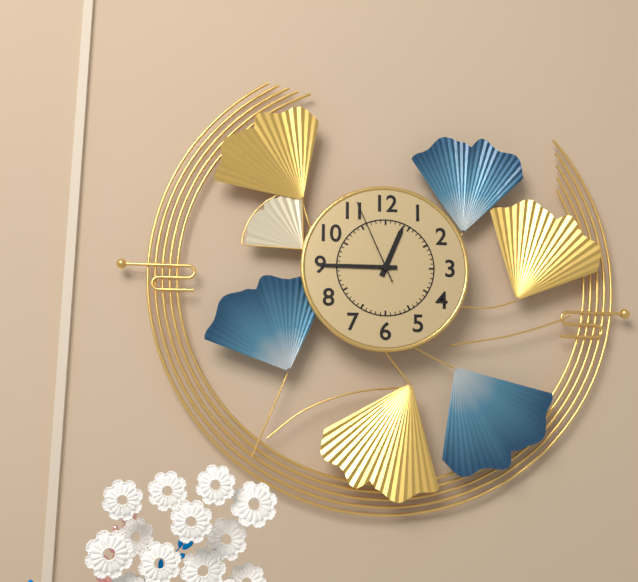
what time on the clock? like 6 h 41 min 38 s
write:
12 h 45 min 56 s
